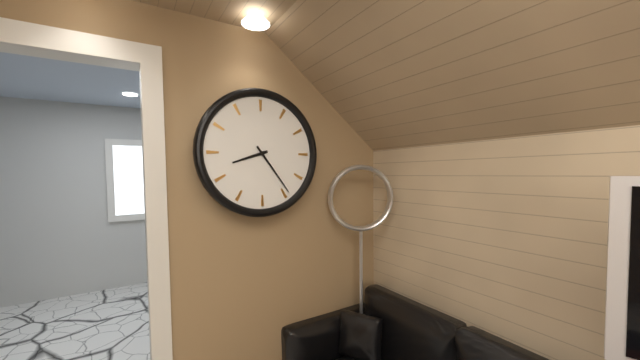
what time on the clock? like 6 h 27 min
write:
8 h 24 min
